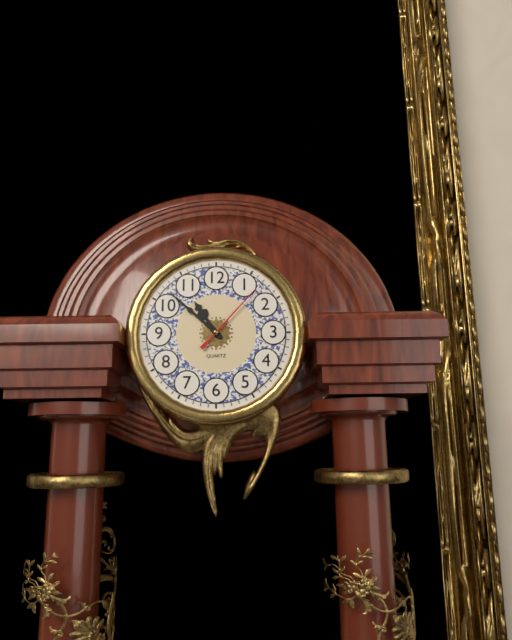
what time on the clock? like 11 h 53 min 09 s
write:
10 h 52 min 07 s
